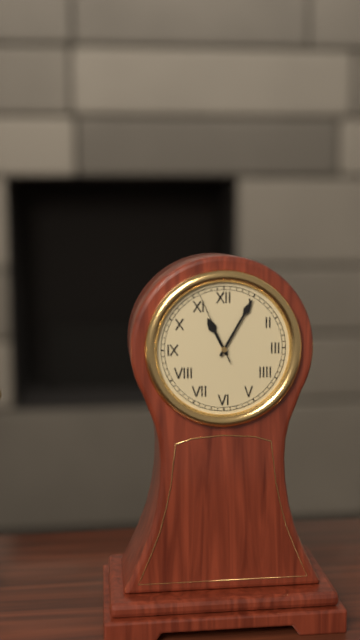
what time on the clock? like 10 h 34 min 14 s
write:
11 h 05 min 56 s
